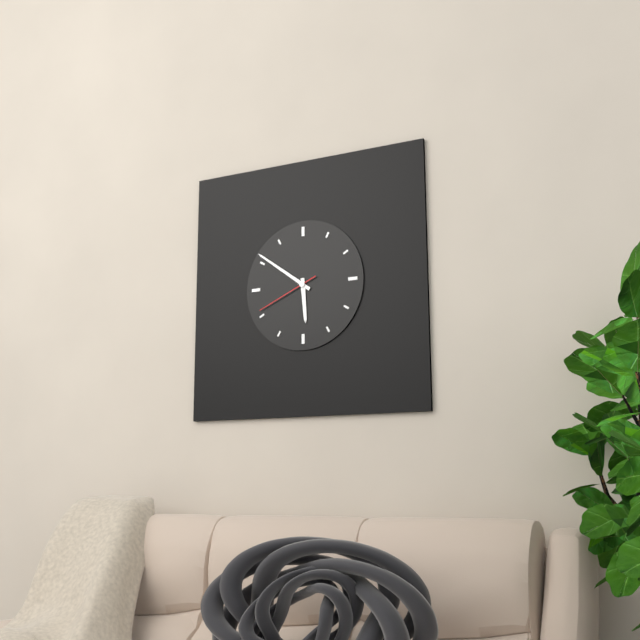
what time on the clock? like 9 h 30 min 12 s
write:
5 h 51 min 41 s
